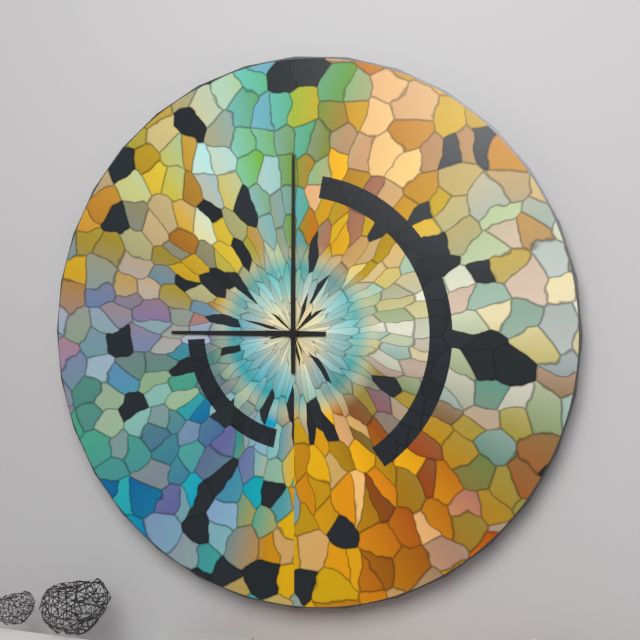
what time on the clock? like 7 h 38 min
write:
9 h 00 min
